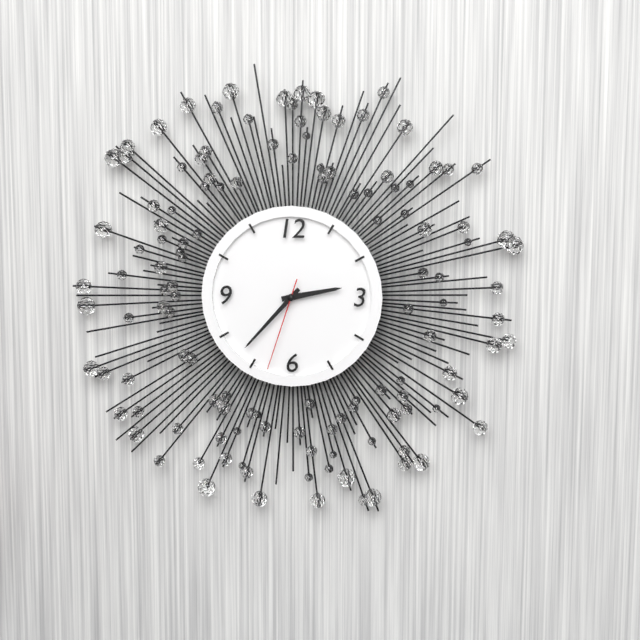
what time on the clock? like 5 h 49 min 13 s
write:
2 h 37 min 33 s
